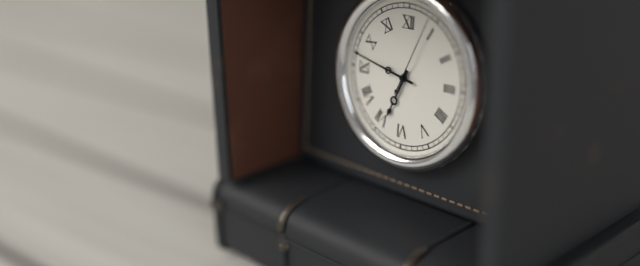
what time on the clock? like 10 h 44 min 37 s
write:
6 h 47 min 04 s
